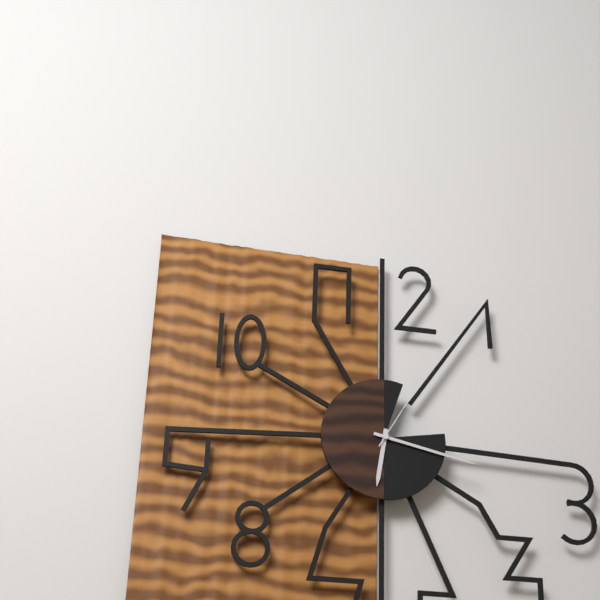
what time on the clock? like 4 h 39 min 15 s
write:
6 h 17 min 05 s
